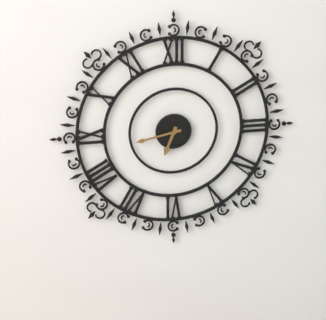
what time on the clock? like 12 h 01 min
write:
6 h 43 min
